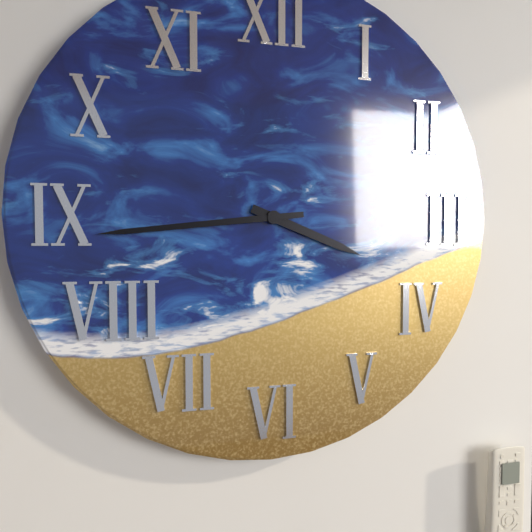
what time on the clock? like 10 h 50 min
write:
3 h 44 min
